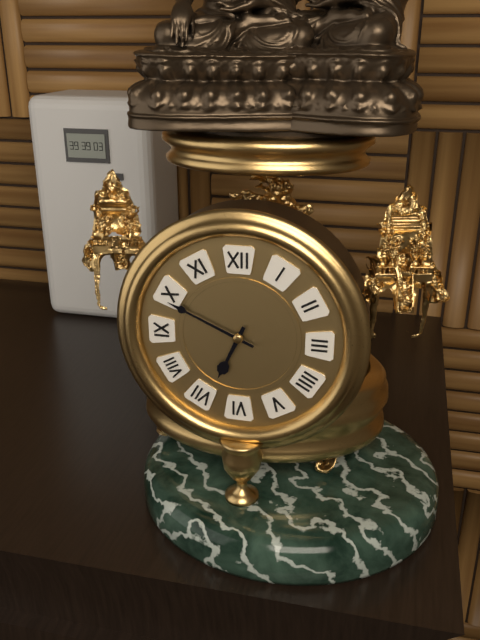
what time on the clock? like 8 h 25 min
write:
6 h 49 min
